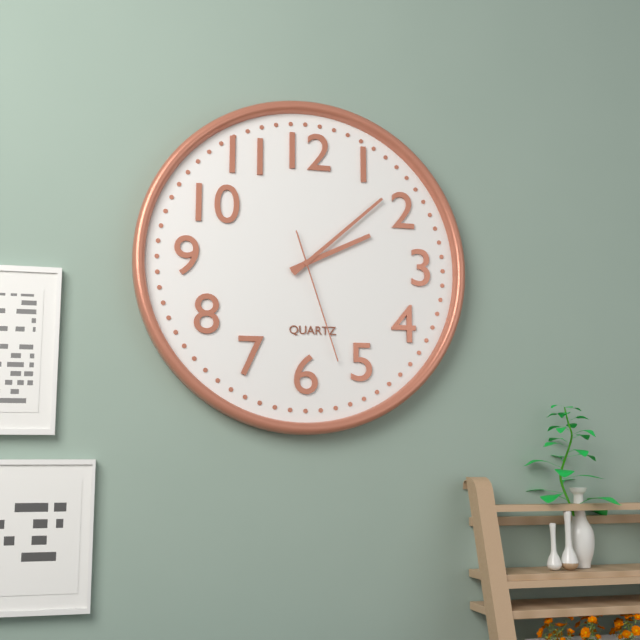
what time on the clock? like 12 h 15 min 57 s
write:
2 h 08 min 27 s
